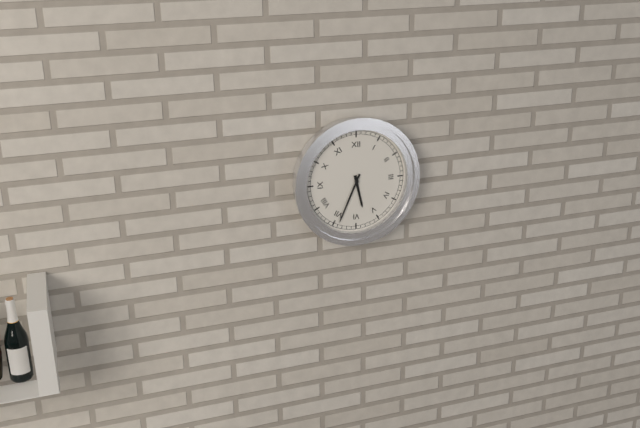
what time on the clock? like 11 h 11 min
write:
5 h 34 min
